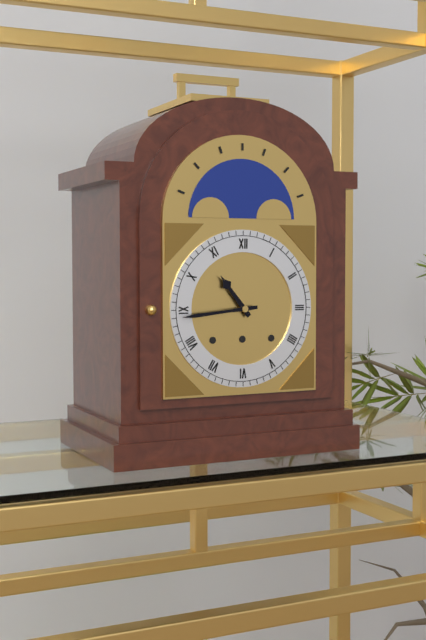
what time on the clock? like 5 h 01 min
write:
10 h 44 min
